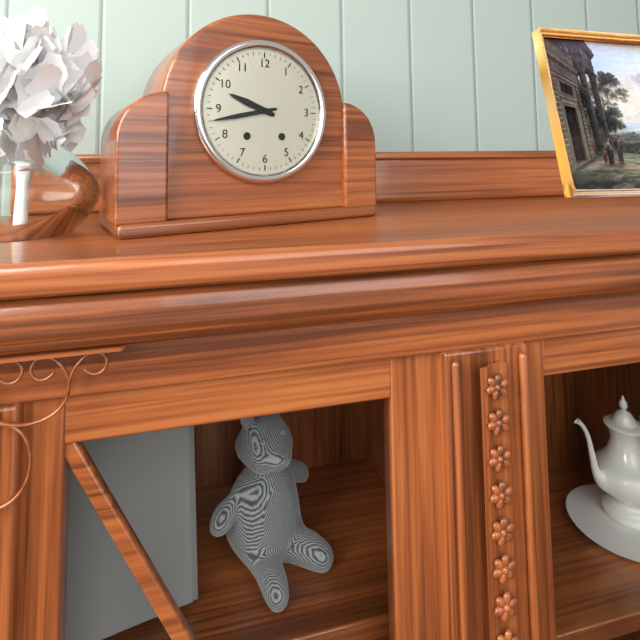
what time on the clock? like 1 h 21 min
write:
9 h 43 min
